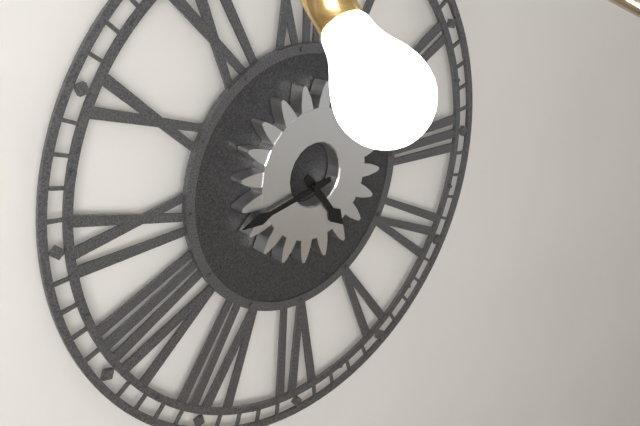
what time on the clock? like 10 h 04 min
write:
4 h 43 min
